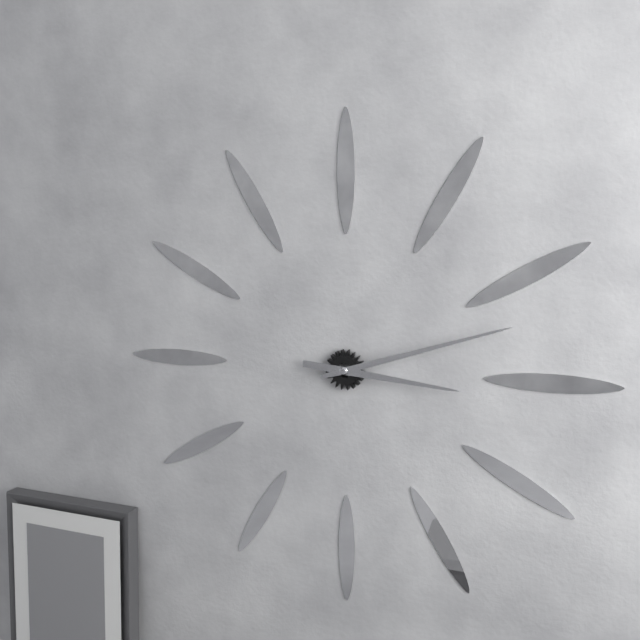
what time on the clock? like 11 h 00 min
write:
3 h 12 min
